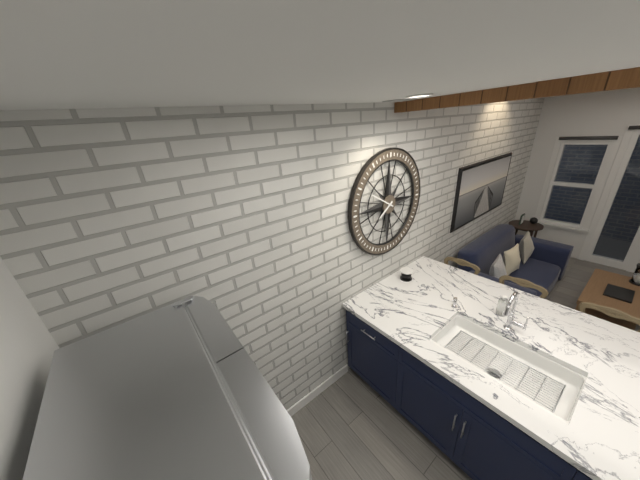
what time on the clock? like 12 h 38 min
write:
7 h 50 min
